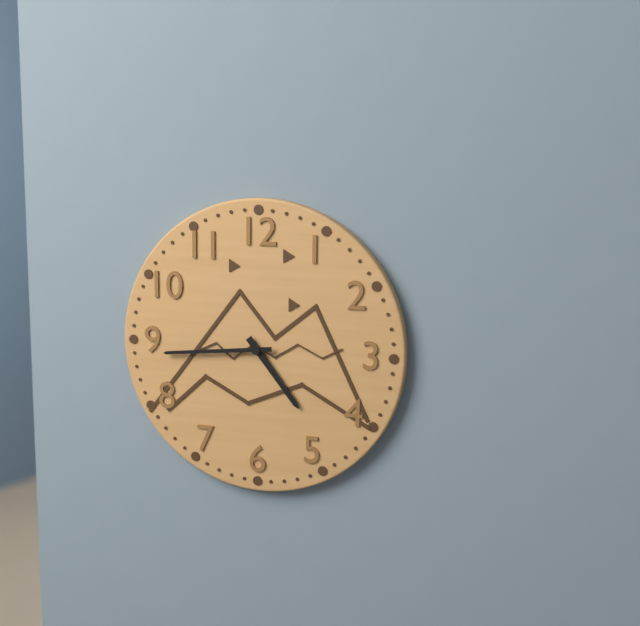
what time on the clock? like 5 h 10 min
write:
4 h 44 min
